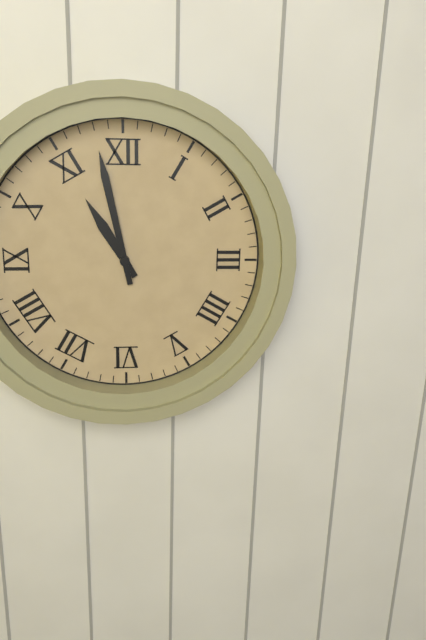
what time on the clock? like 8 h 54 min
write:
10 h 58 min
